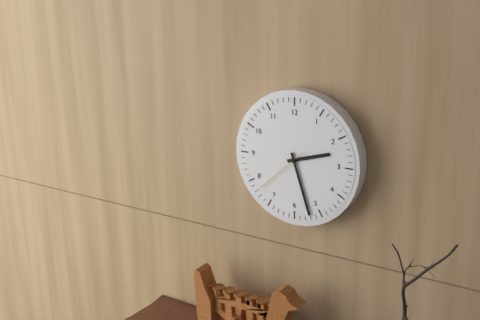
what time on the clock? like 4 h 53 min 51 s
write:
2 h 27 min 38 s
